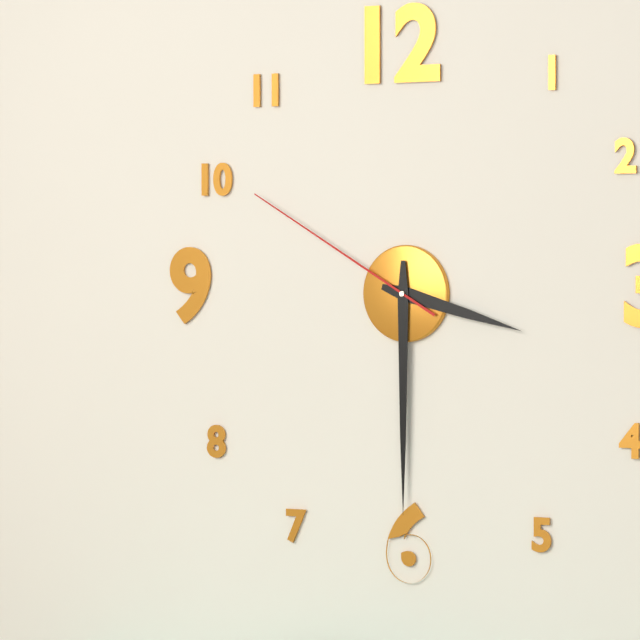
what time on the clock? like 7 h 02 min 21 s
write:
3 h 30 min 50 s
